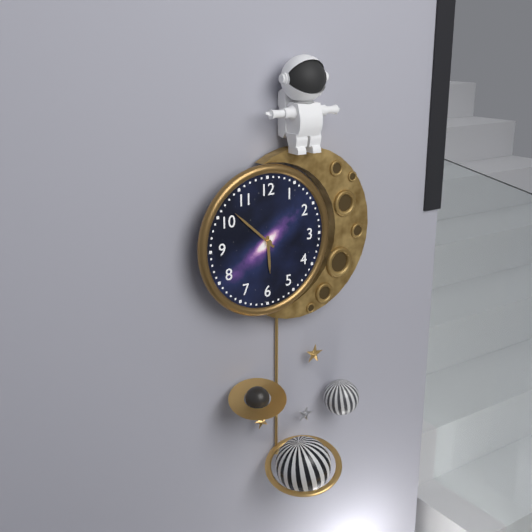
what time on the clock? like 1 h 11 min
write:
5 h 52 min
